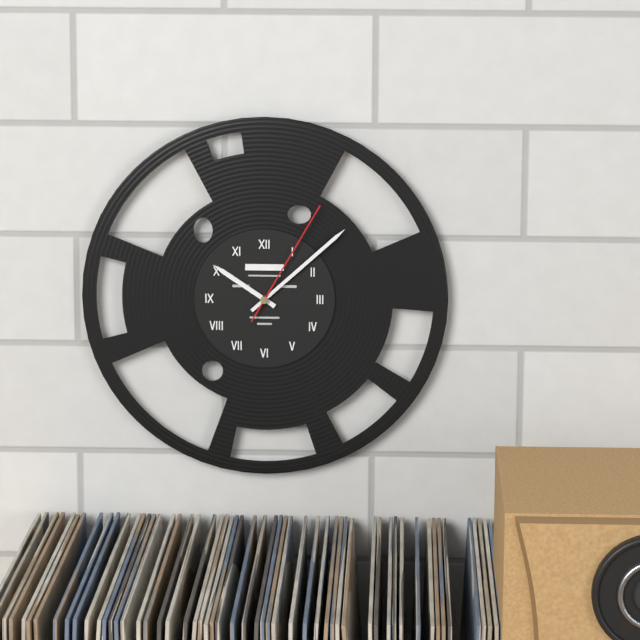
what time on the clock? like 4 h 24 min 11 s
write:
10 h 08 min 05 s
